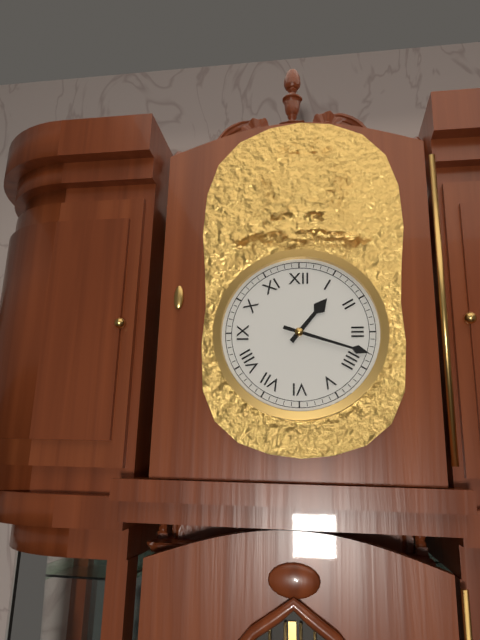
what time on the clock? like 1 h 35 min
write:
1 h 18 min
